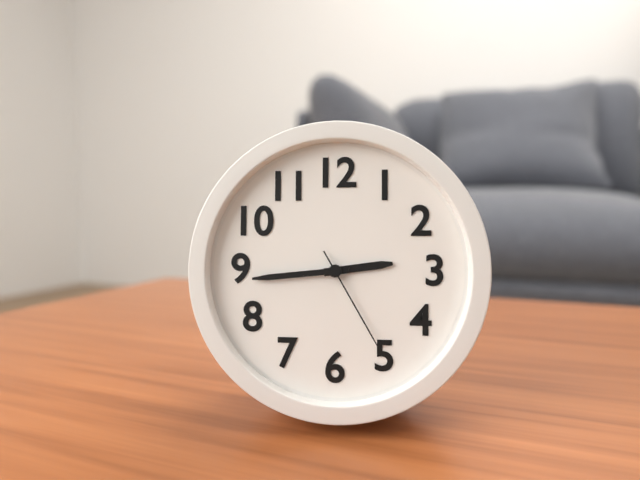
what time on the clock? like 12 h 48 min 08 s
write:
2 h 44 min 25 s
